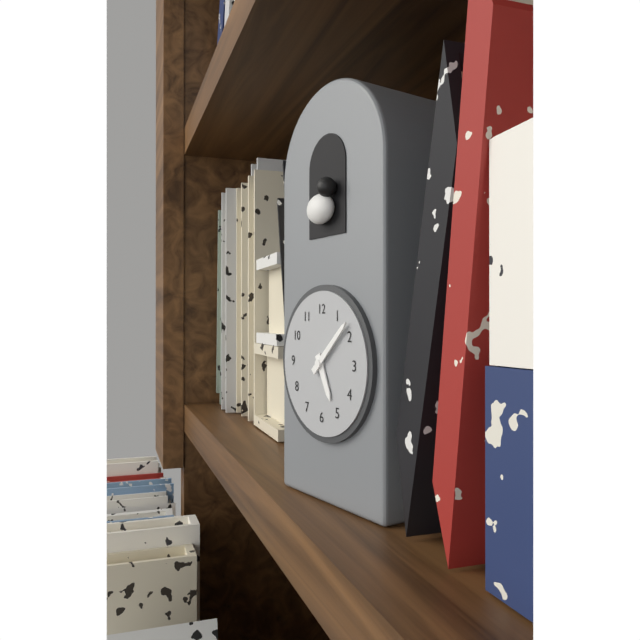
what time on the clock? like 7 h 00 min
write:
5 h 08 min
